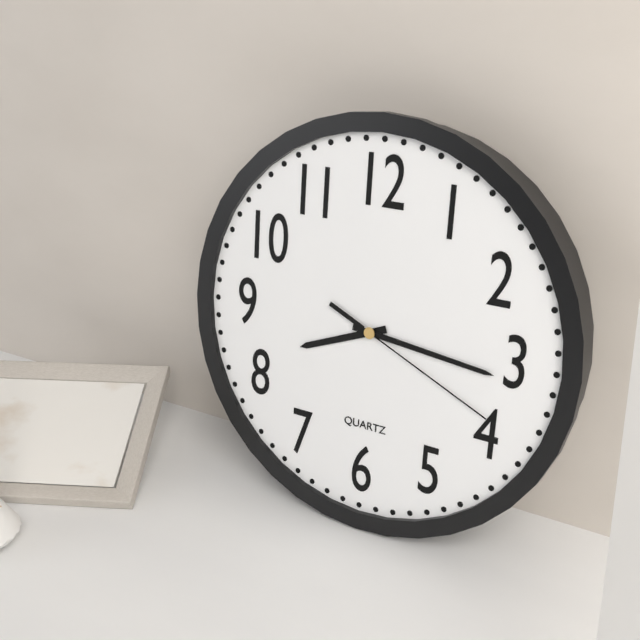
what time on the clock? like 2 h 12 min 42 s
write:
8 h 16 min 19 s
